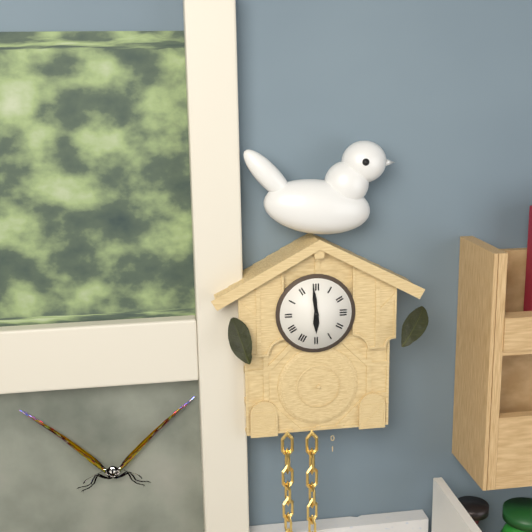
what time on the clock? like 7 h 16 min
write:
5 h 59 min
